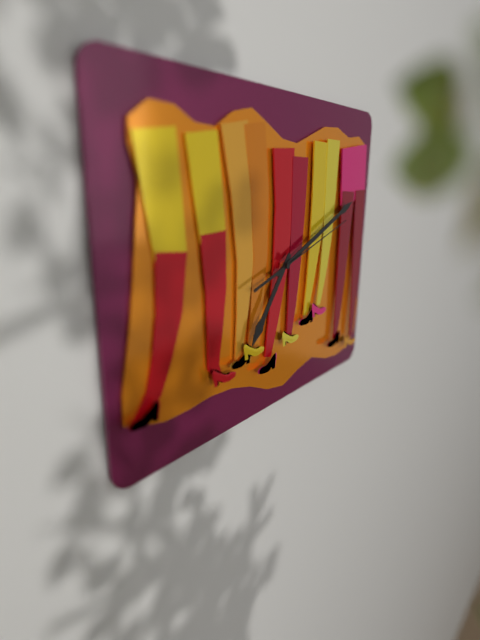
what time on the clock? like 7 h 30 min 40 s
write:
7 h 11 min 12 s
